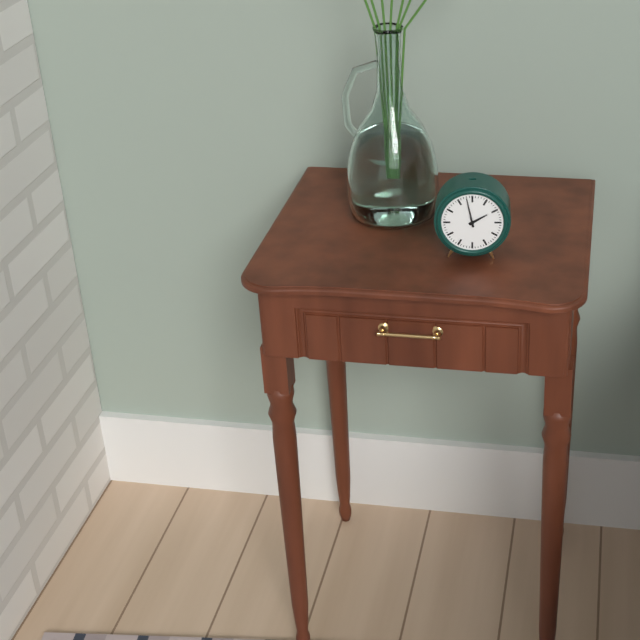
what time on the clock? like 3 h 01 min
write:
1 h 58 min
